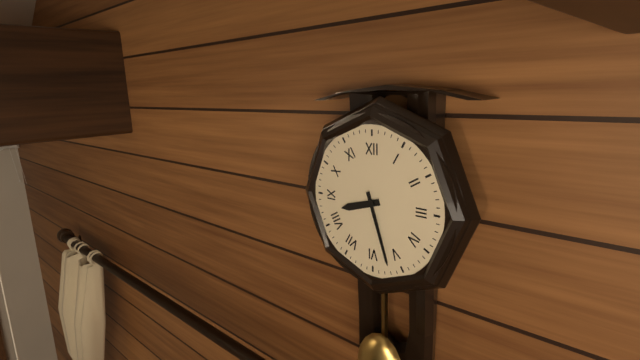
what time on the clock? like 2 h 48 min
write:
8 h 27 min
